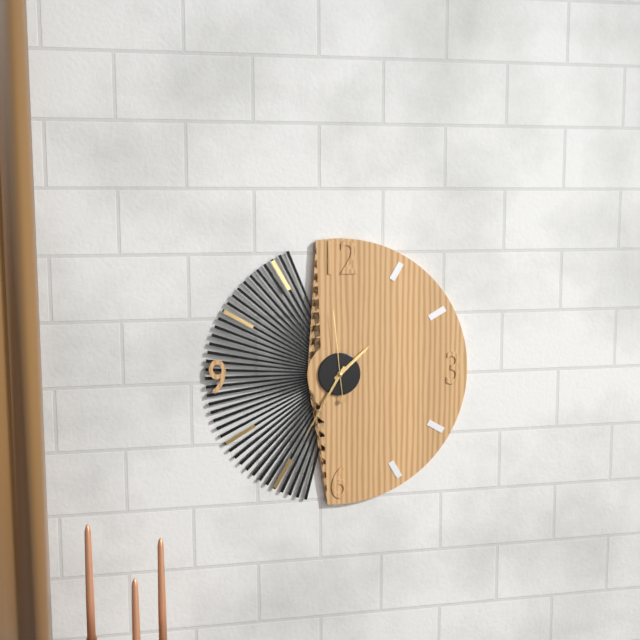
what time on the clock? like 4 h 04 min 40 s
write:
1 h 35 min 59 s
